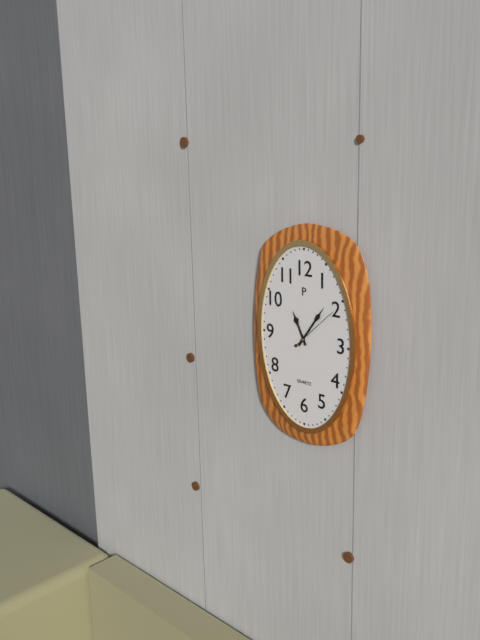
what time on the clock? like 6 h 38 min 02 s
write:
11 h 06 min 08 s
